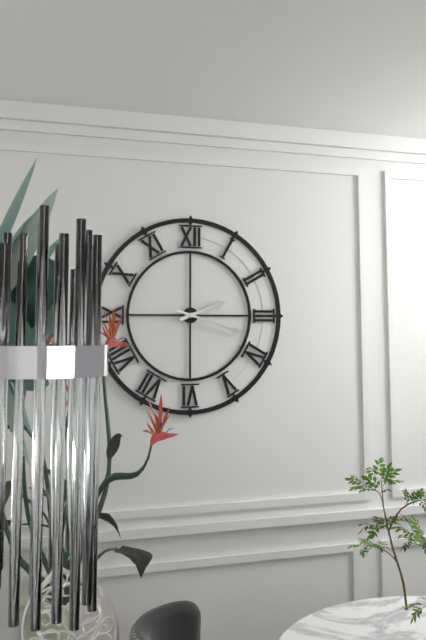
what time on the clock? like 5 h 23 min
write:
2 h 18 min
